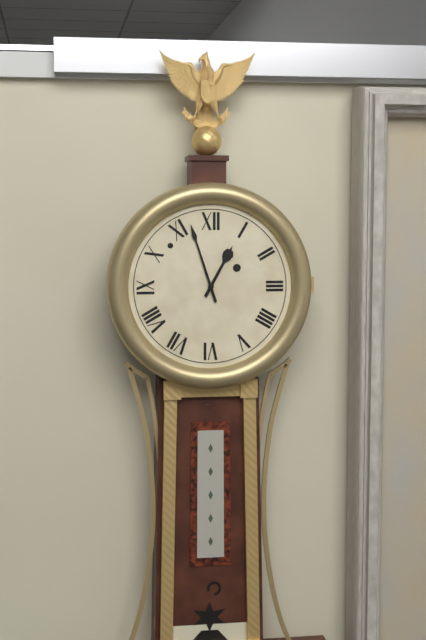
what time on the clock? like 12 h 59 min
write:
12 h 57 min
